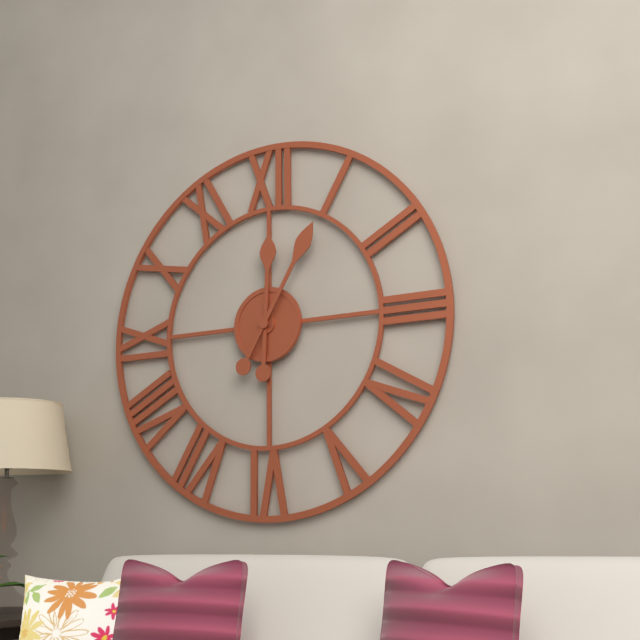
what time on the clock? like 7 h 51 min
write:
12 h 05 min
